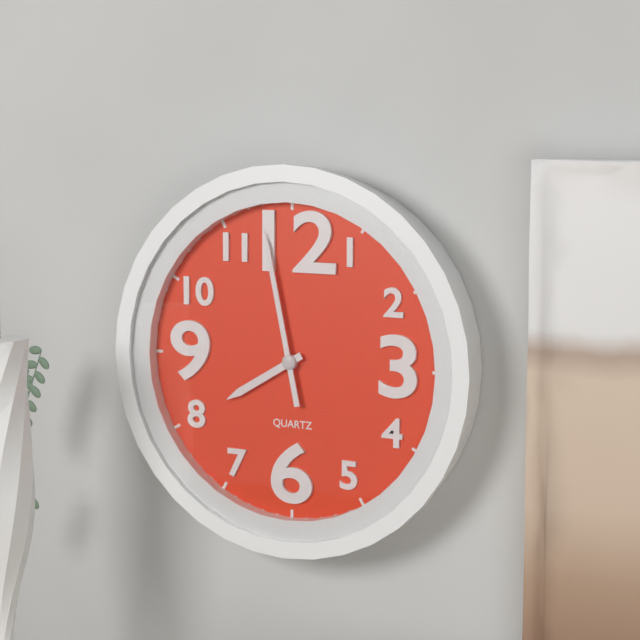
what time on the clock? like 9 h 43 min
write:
7 h 58 min
